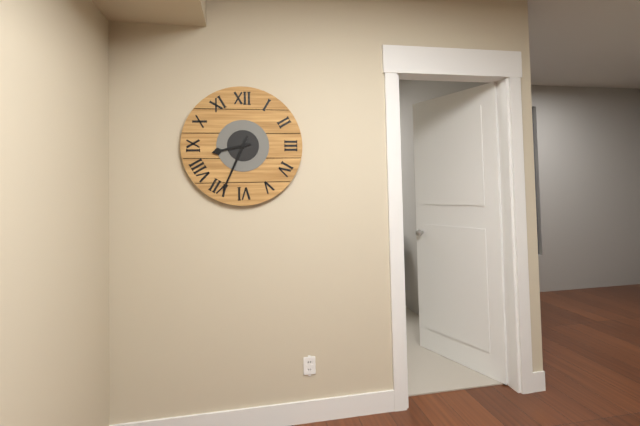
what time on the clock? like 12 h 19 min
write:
8 h 34 min
